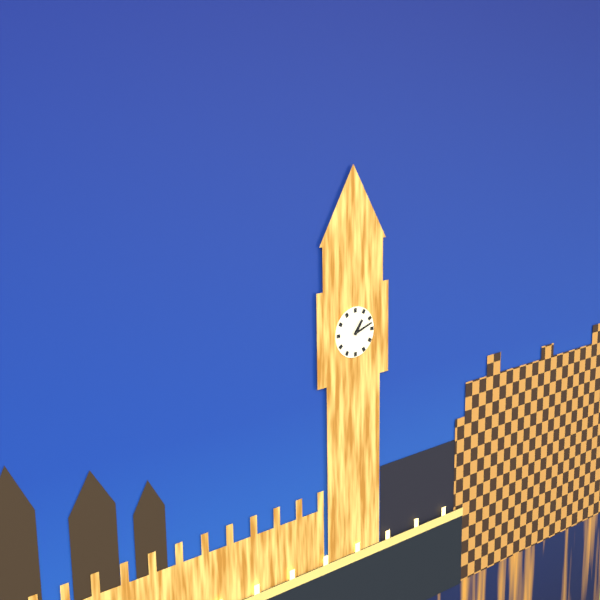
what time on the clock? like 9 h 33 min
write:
1 h 12 min
